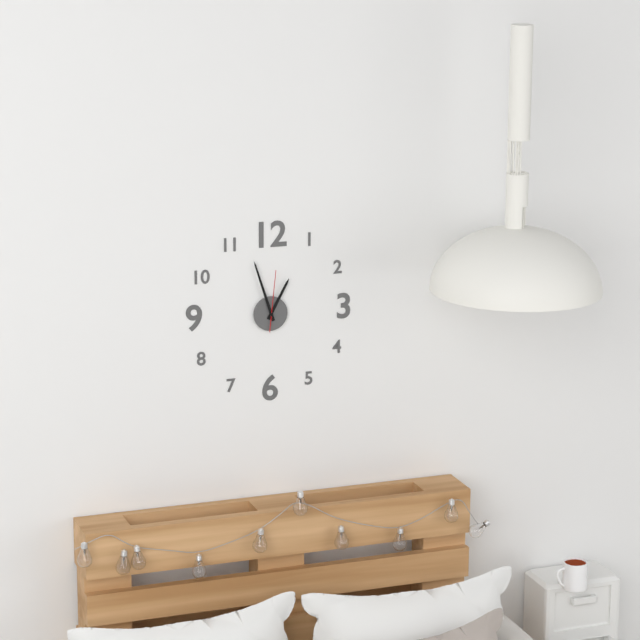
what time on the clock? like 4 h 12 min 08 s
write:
12 h 57 min 01 s
